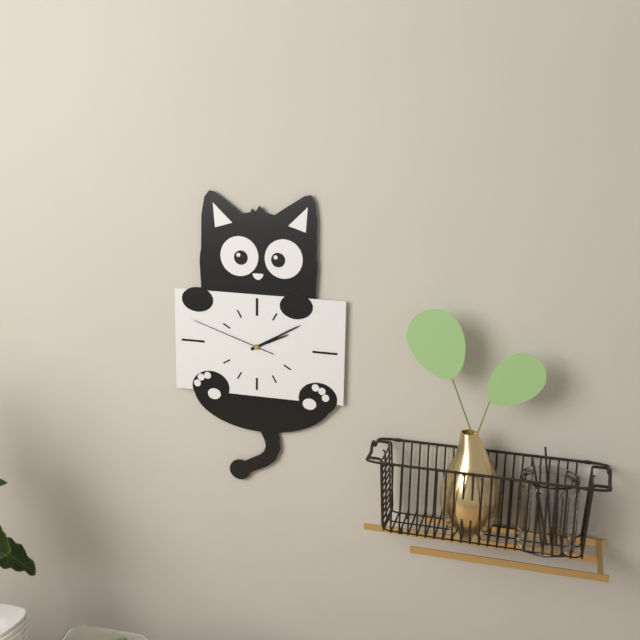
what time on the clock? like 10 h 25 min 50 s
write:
2 h 10 min 48 s
